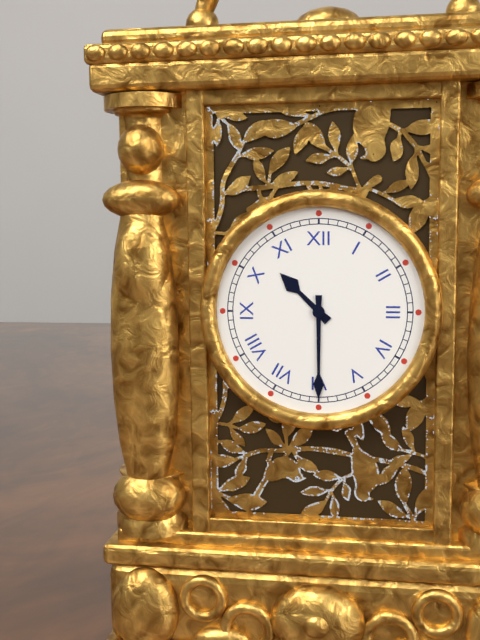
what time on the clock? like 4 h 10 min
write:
10 h 30 min
